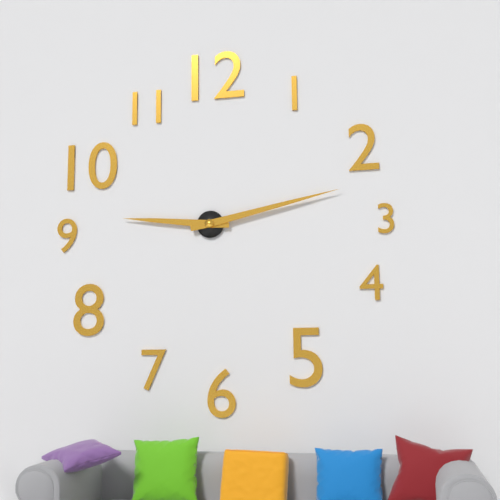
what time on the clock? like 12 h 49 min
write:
9 h 13 min
